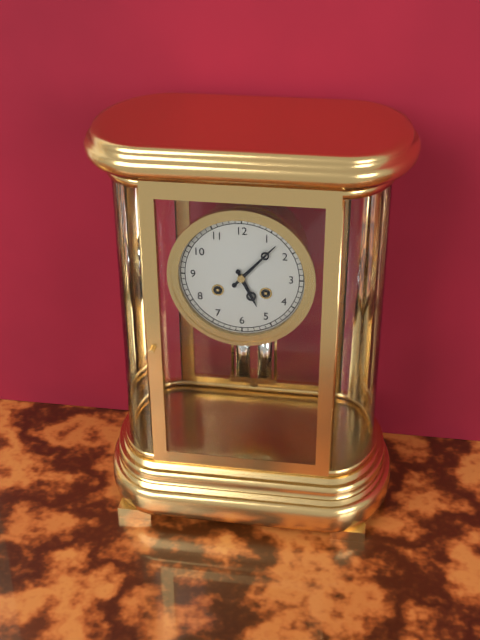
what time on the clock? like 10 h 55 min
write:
5 h 07 min
